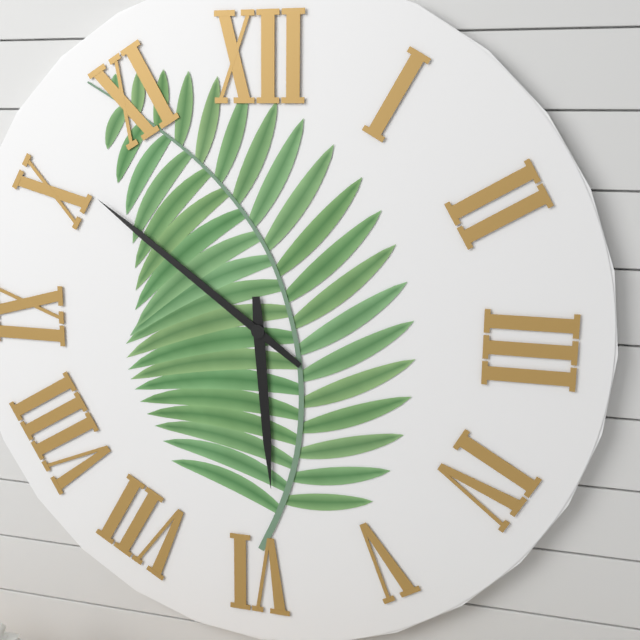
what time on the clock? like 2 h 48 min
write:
5 h 51 min
